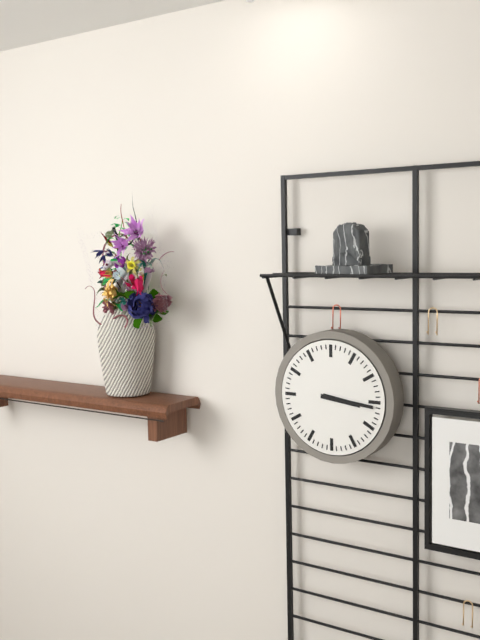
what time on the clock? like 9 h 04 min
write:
3 h 16 min
